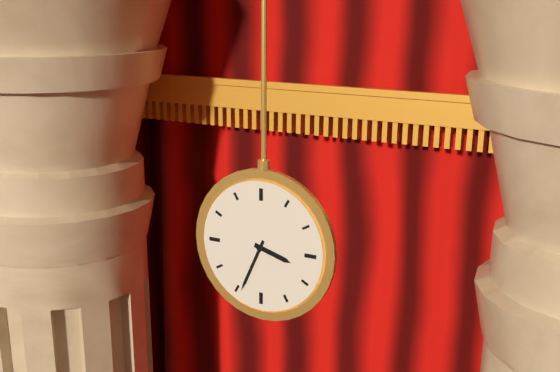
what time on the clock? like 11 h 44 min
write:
3 h 34 min
